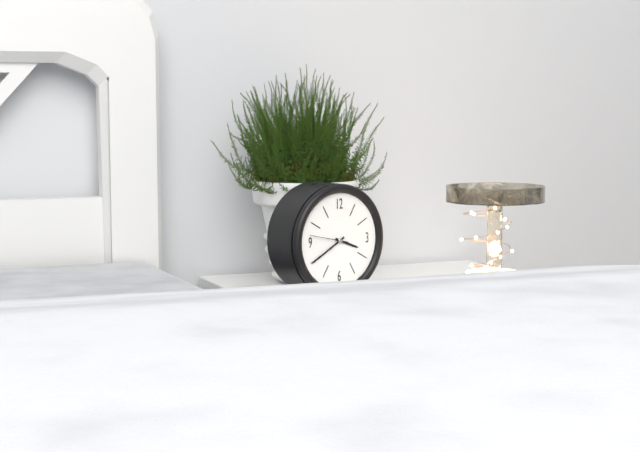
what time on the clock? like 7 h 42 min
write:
3 h 40 min
